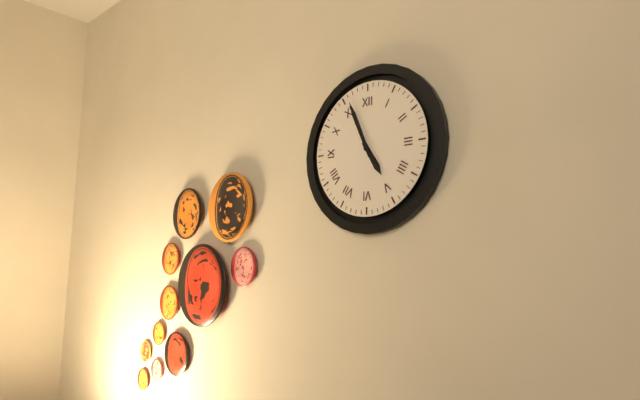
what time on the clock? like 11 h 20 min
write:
4 h 56 min
